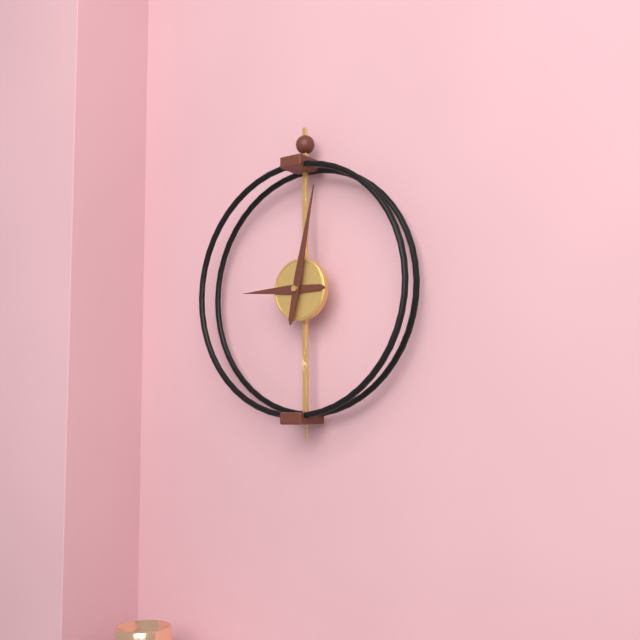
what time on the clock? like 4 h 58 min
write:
9 h 02 min
